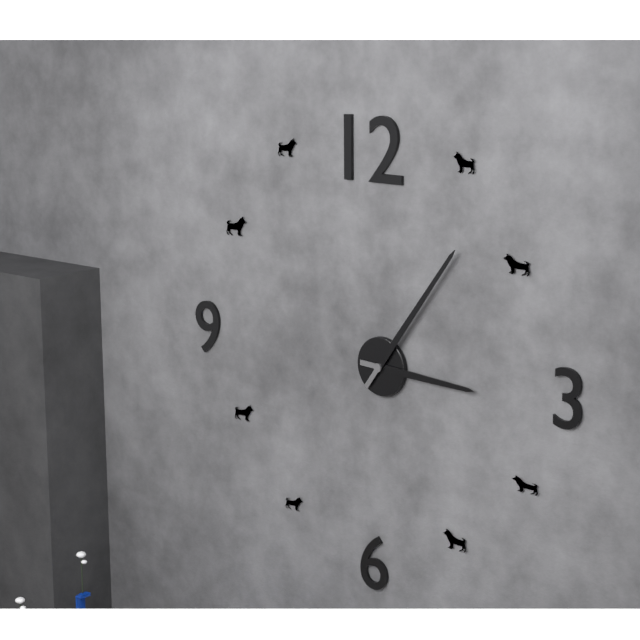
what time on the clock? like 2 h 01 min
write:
3 h 06 min
